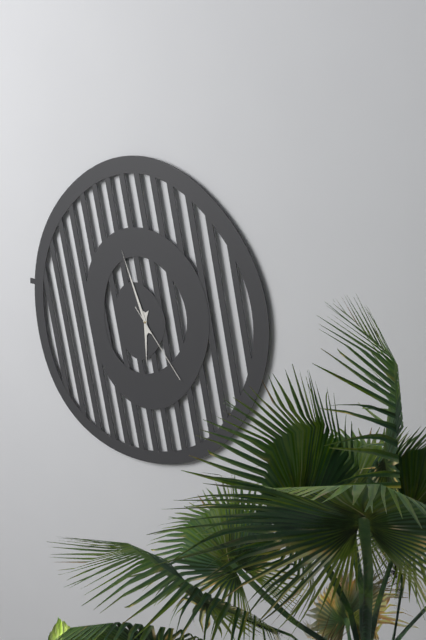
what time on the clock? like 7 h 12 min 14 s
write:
5 h 56 min 23 s
